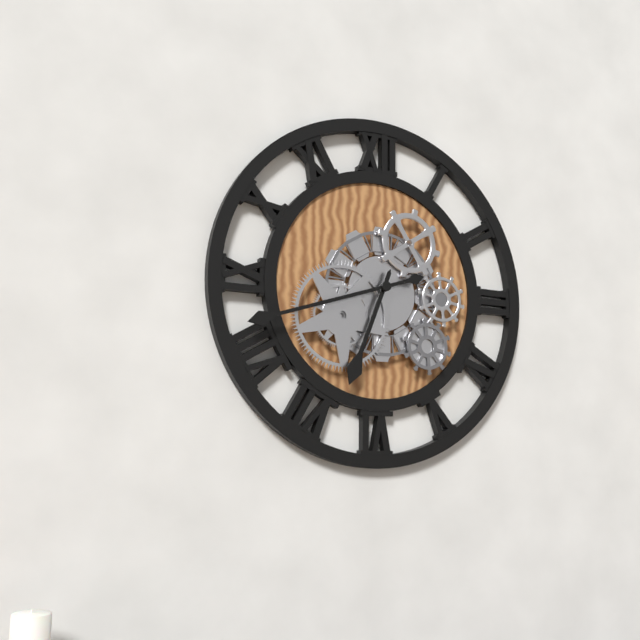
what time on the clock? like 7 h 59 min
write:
6 h 42 min
